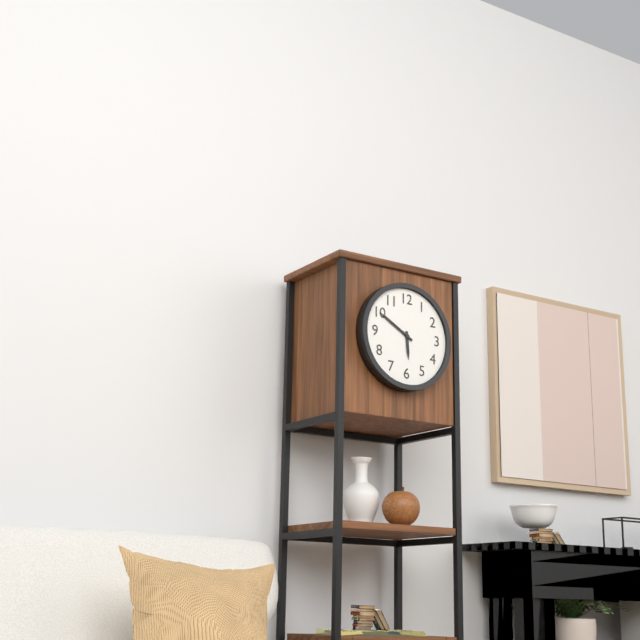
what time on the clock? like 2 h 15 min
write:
5 h 50 min
